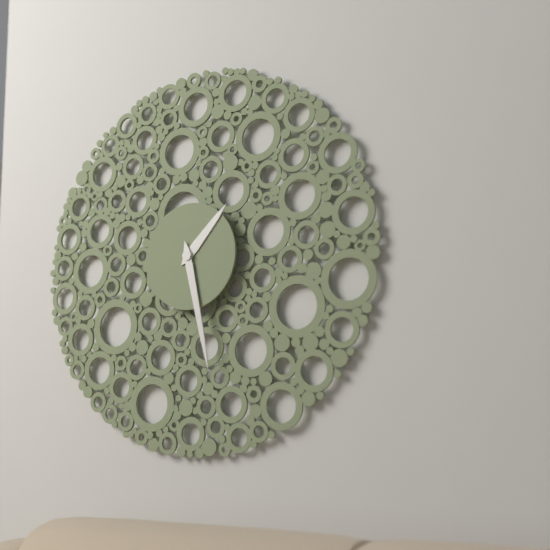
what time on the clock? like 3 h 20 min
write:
1 h 28 min
